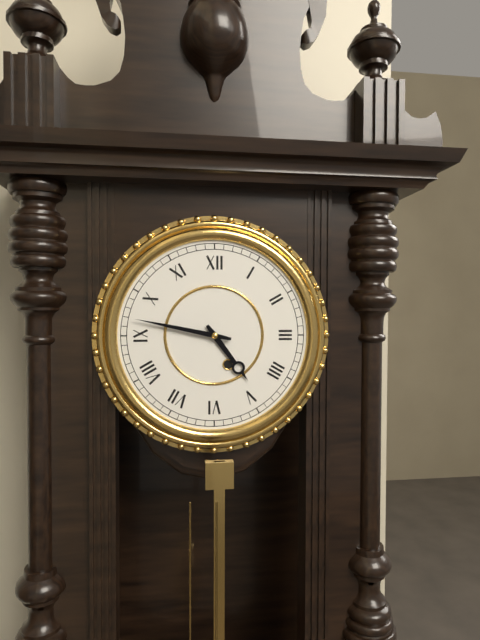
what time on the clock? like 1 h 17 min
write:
4 h 47 min
